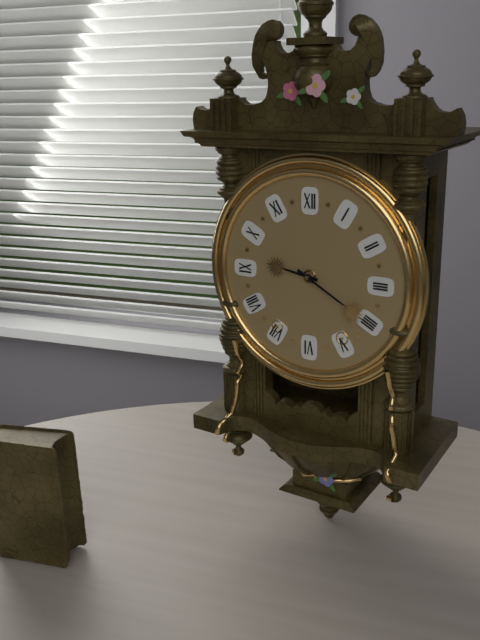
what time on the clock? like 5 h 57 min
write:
9 h 20 min
